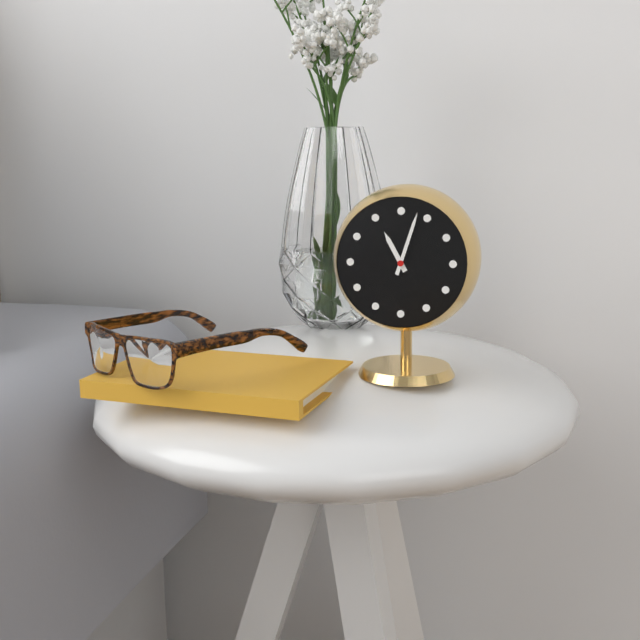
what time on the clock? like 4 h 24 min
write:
11 h 03 min
